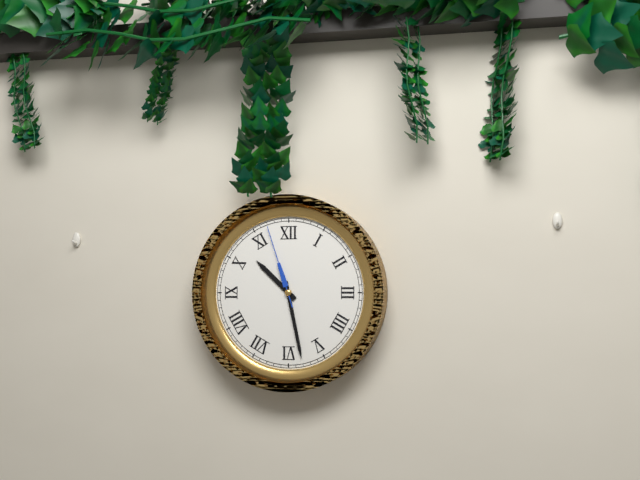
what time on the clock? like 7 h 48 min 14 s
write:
10 h 28 min 57 s
